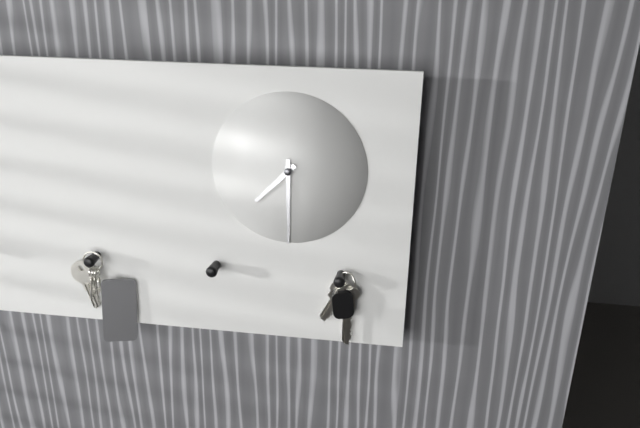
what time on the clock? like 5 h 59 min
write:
7 h 30 min
